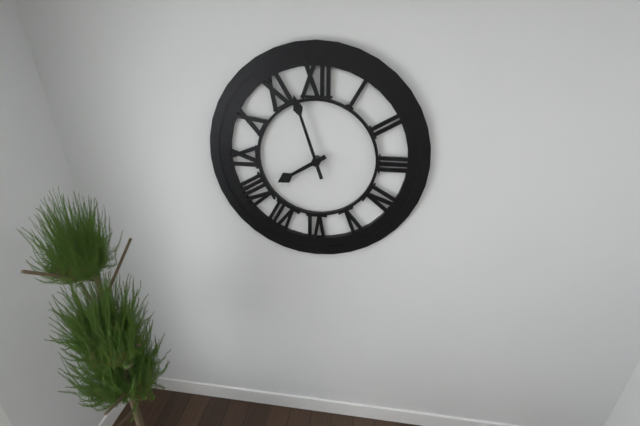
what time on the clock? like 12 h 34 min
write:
7 h 57 min
